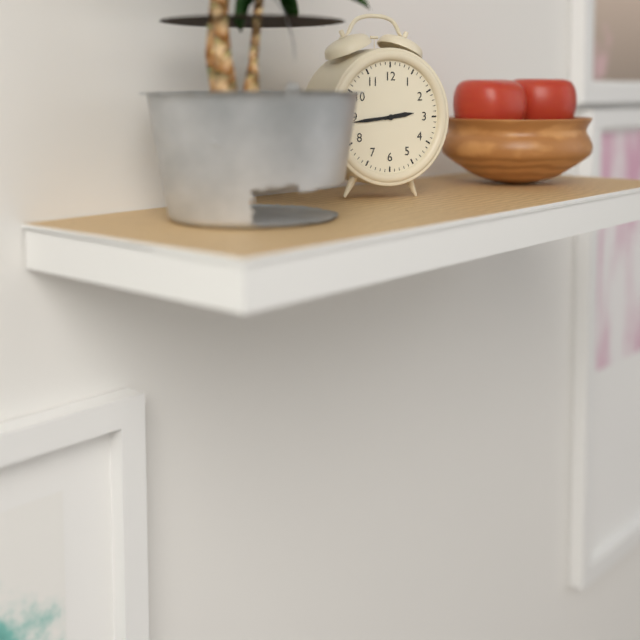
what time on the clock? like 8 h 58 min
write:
2 h 44 min
